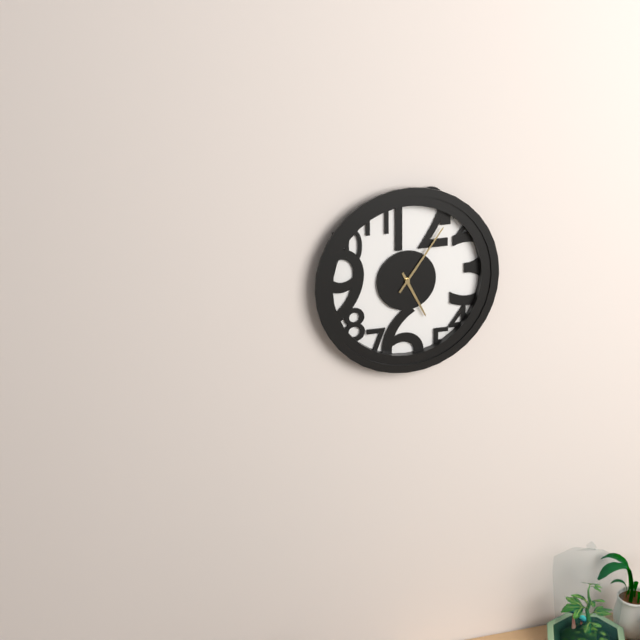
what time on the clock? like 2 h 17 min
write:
5 h 06 min
